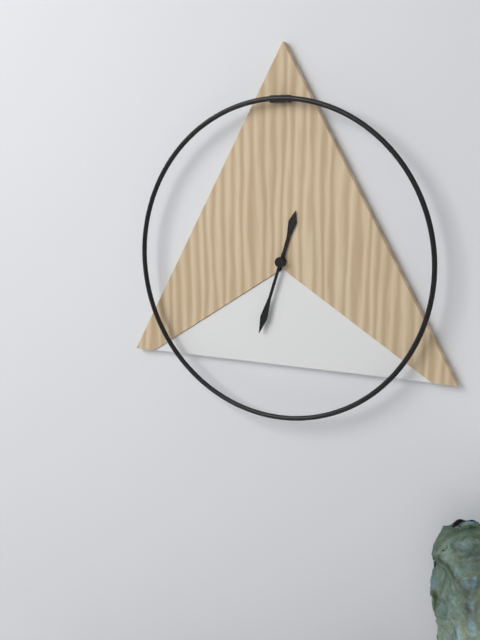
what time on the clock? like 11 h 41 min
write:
12 h 33 min
